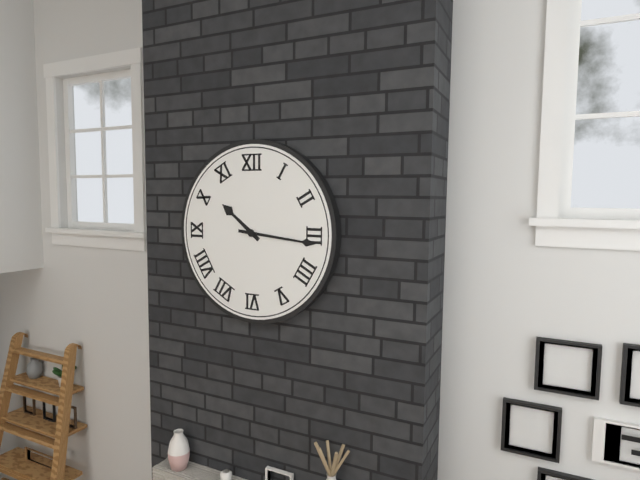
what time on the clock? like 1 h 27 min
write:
10 h 16 min
